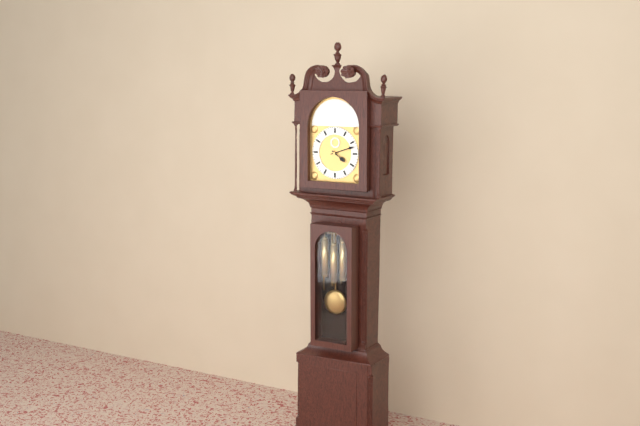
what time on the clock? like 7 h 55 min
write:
4 h 12 min
